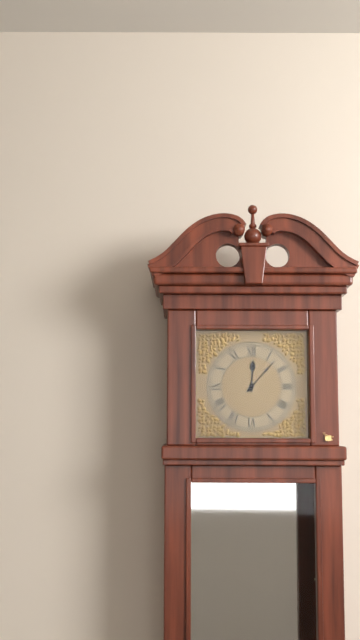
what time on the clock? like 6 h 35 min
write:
12 h 07 min
